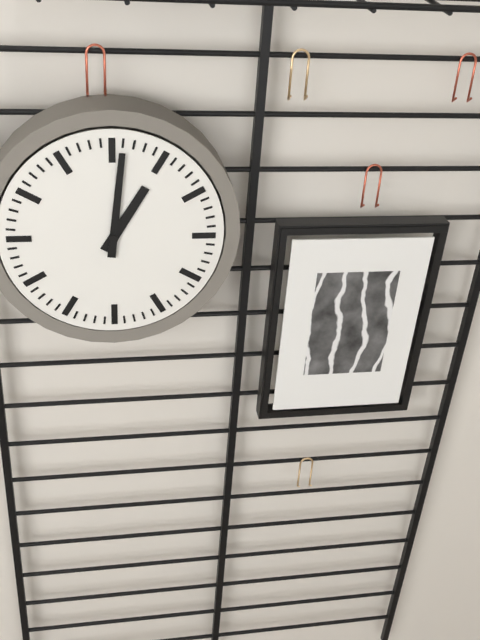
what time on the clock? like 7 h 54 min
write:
1 h 01 min
